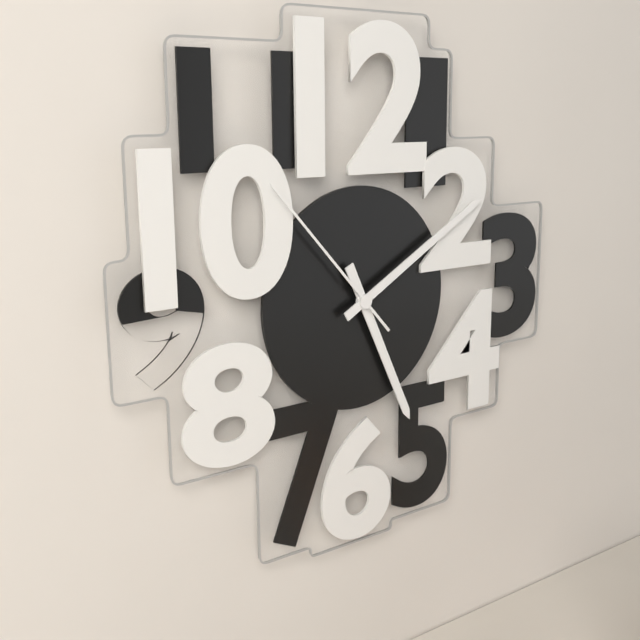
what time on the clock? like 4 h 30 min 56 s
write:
5 h 10 min 53 s
